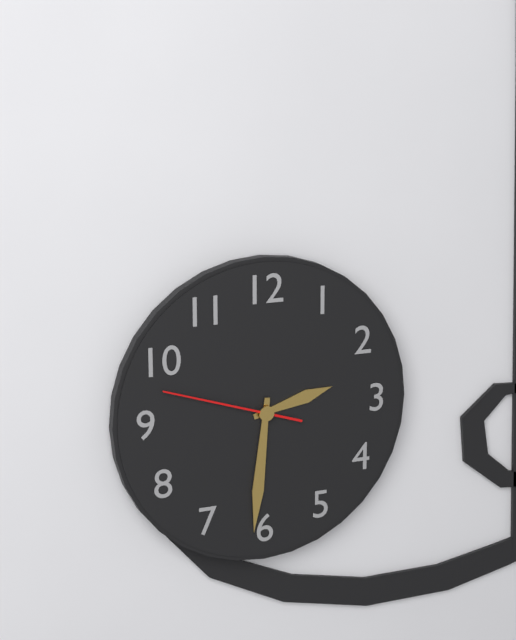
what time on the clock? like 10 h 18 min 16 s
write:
2 h 31 min 48 s
